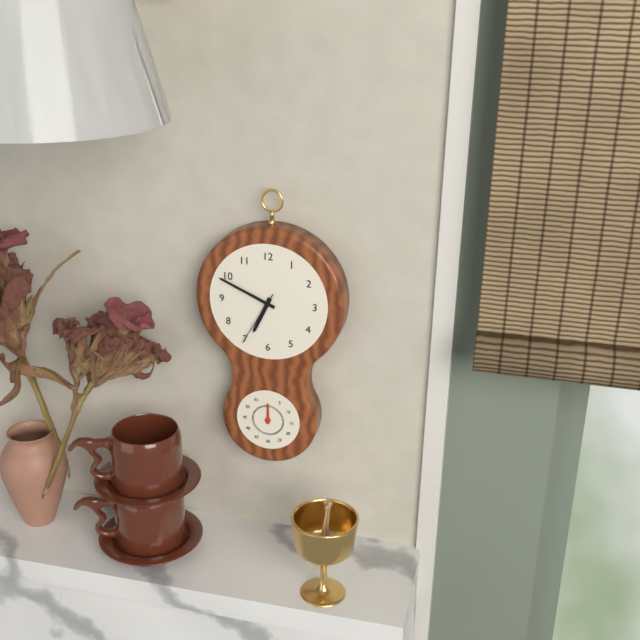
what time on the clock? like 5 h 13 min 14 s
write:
6 h 49 min 35 s
